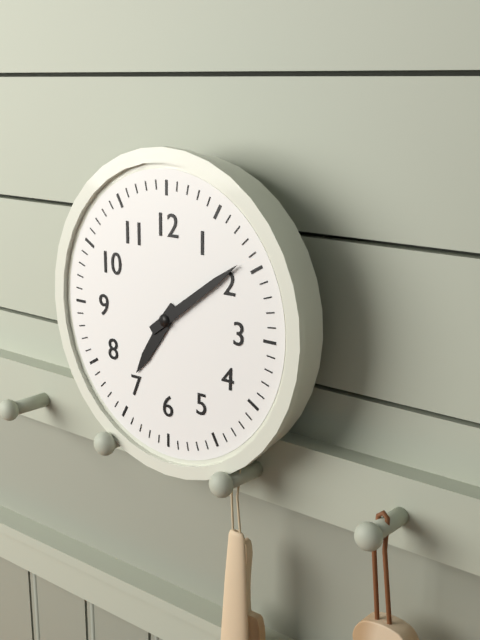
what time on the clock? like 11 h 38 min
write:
7 h 09 min
